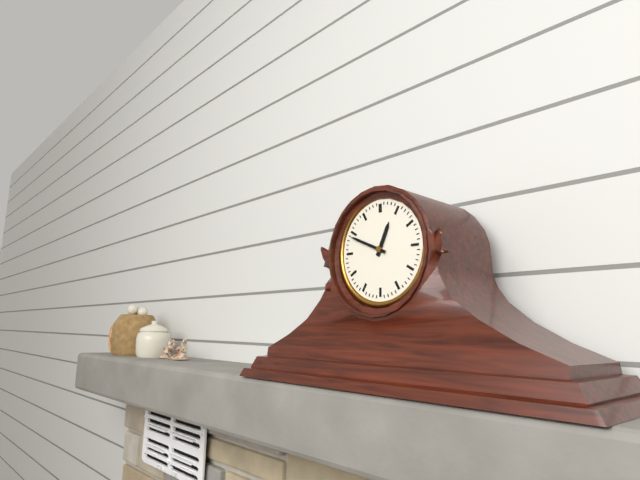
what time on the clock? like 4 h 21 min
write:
12 h 49 min
